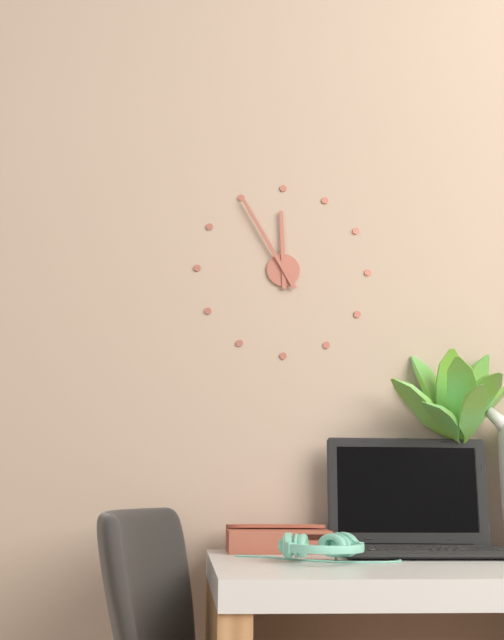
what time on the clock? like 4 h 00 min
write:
11 h 55 min
